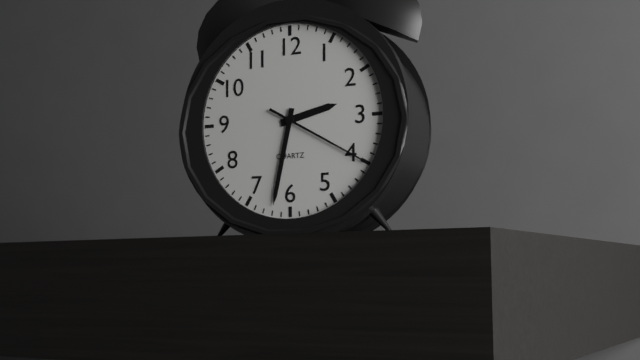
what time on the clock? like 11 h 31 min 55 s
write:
2 h 32 min 20 s
